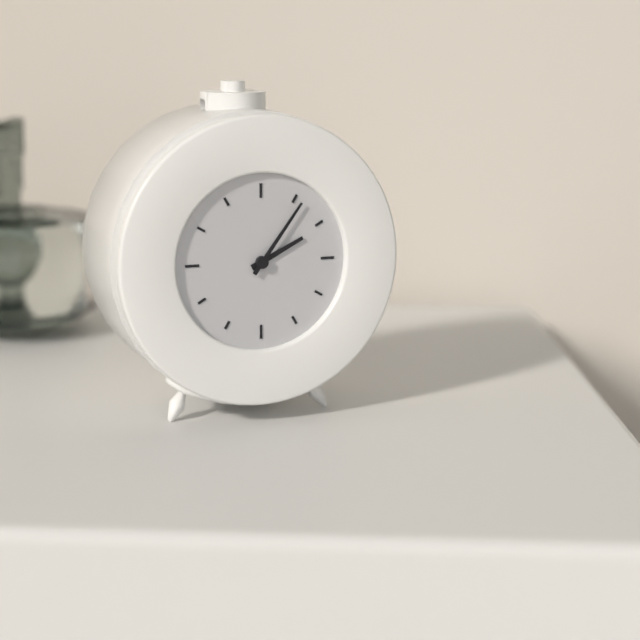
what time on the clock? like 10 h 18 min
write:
2 h 06 min
